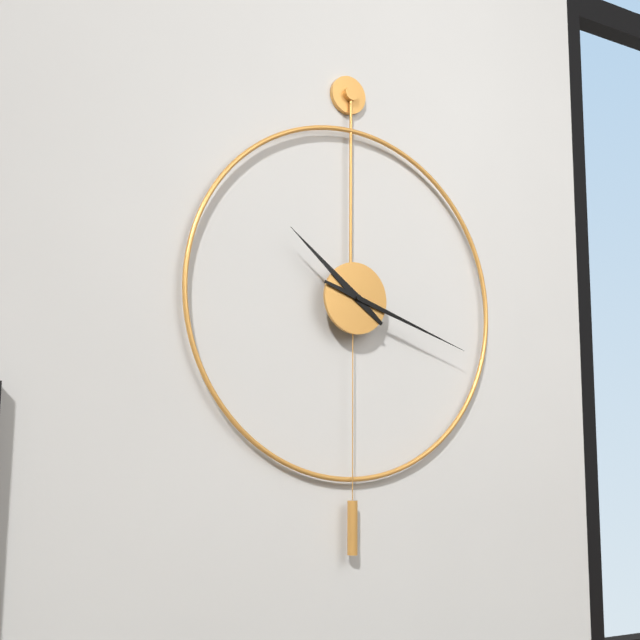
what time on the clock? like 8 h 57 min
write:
10 h 18 min
